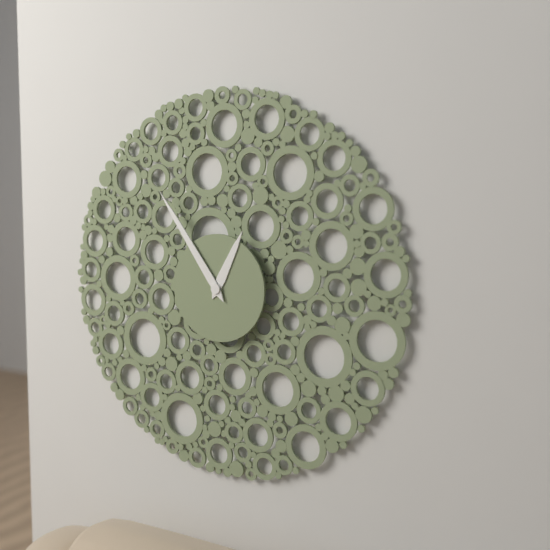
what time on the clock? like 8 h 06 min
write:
12 h 54 min
